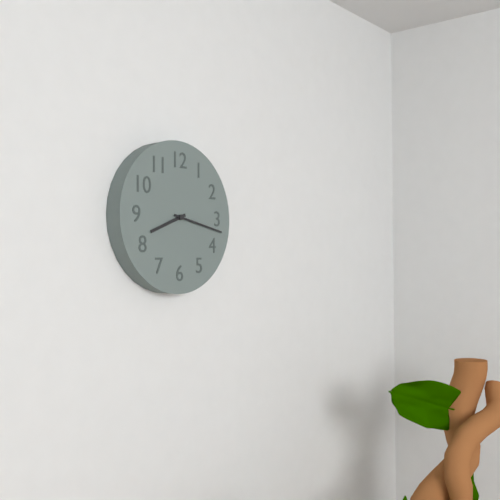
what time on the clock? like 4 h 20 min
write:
8 h 17 min
